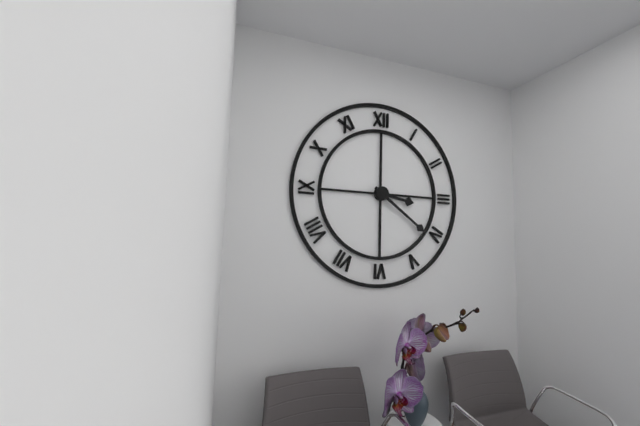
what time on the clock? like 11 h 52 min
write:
3 h 21 min
